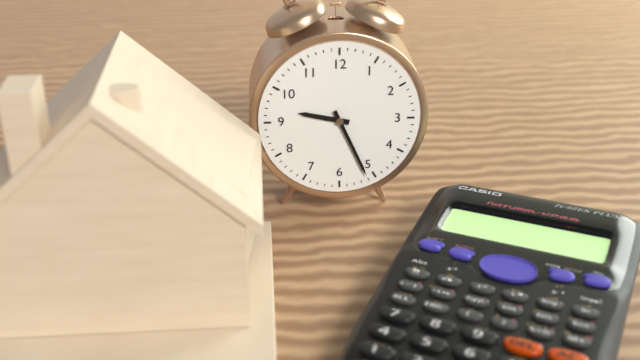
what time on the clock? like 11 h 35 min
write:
9 h 26 min
